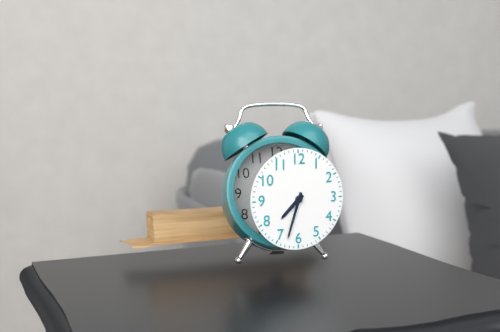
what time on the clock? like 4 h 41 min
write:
7 h 33 min
